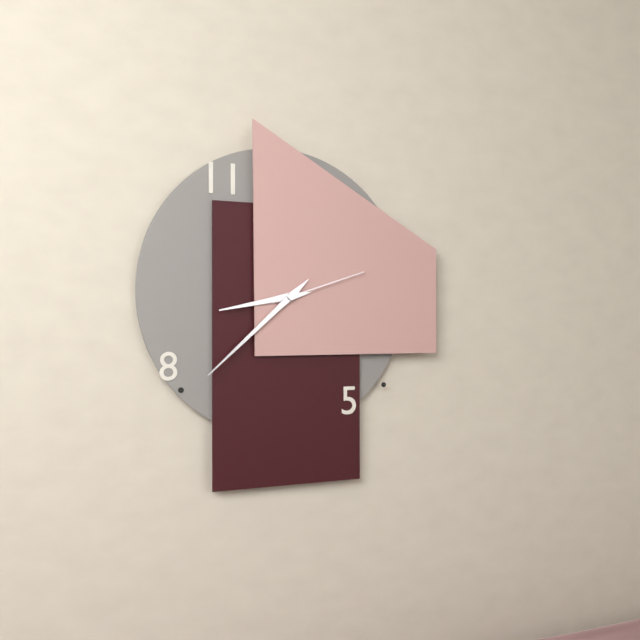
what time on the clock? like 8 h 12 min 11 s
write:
8 h 38 min 12 s
